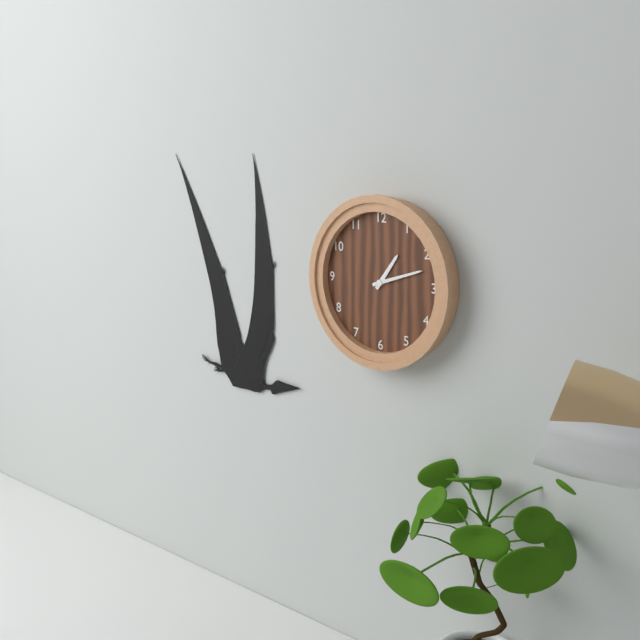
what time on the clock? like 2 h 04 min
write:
1 h 12 min
